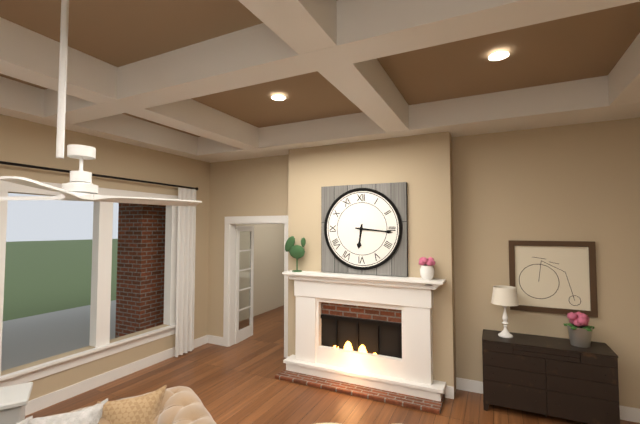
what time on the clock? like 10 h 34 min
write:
6 h 16 min
